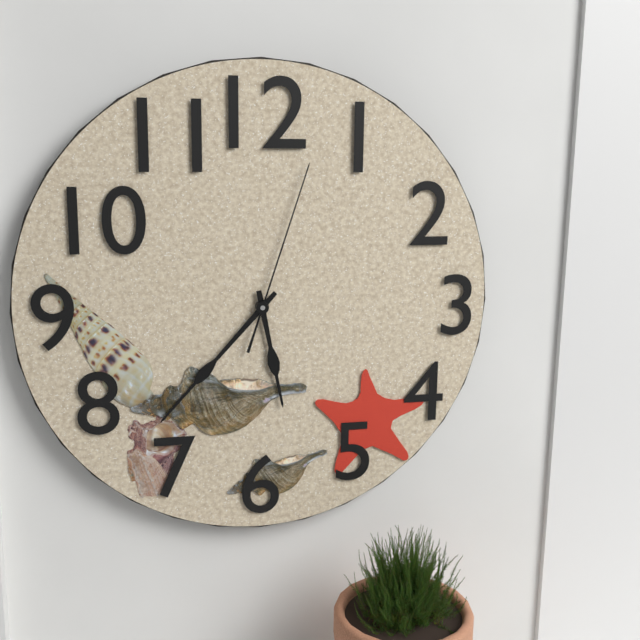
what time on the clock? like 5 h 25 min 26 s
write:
5 h 37 min 03 s
